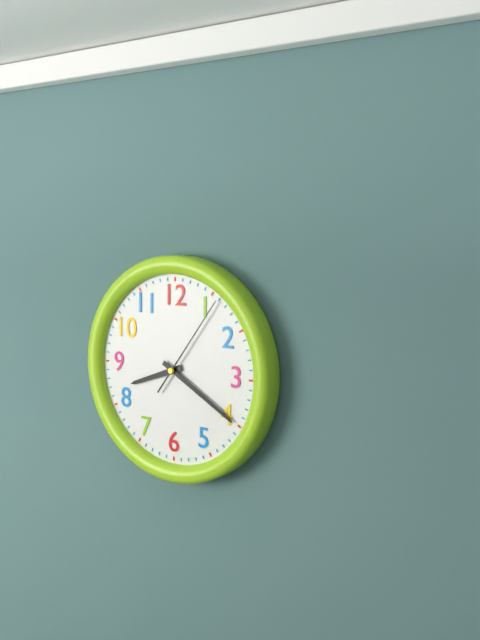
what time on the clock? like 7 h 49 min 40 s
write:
8 h 20 min 06 s
